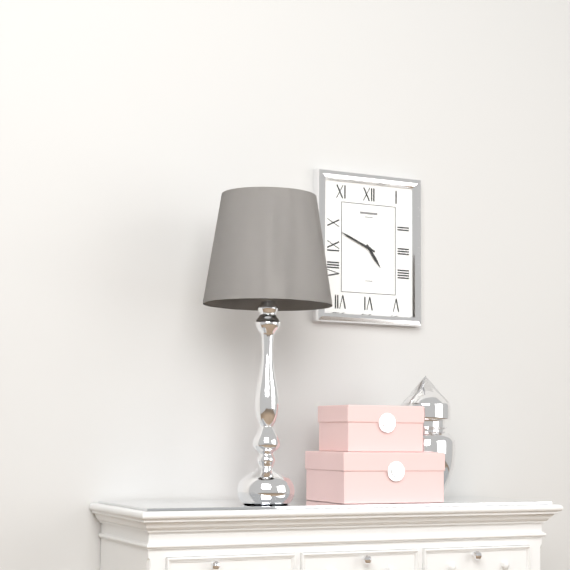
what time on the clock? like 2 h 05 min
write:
4 h 49 min
